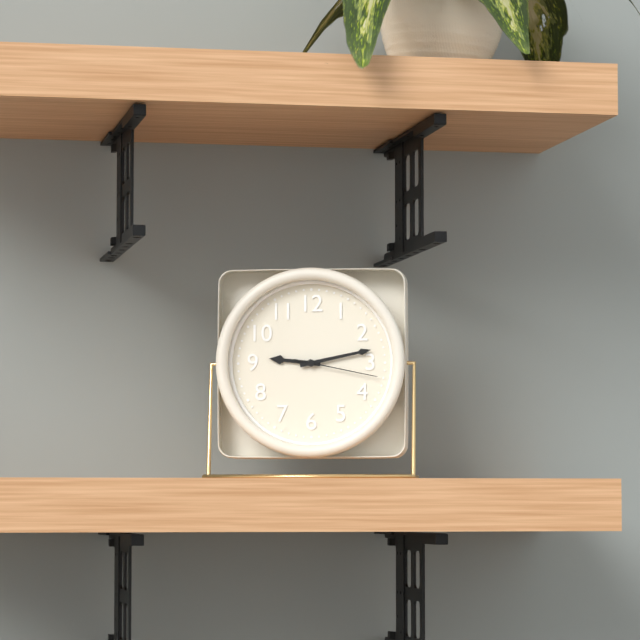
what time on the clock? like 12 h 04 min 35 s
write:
9 h 13 min 17 s
